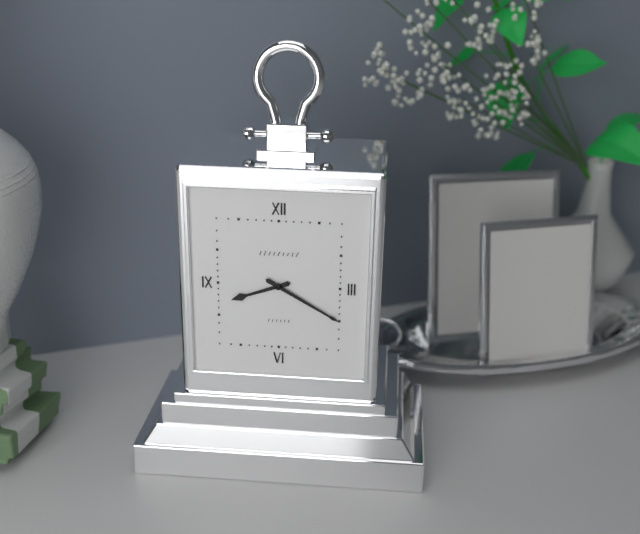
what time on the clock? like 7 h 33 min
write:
8 h 20 min
